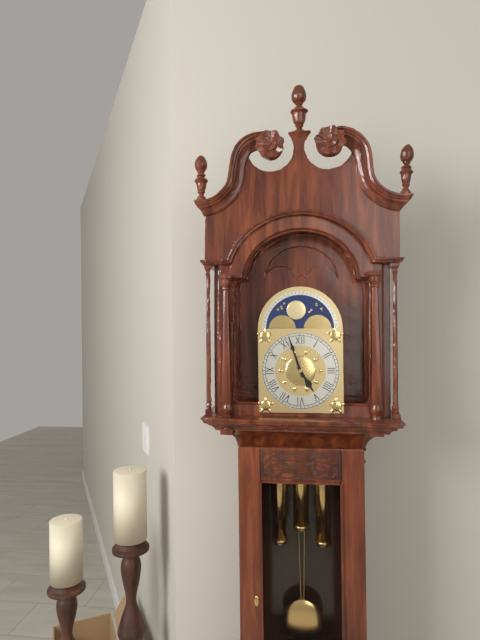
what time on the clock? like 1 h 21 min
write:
4 h 57 min
